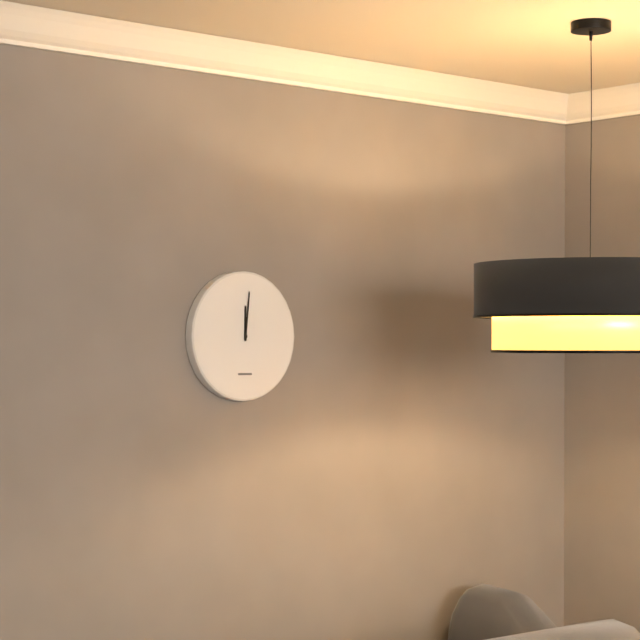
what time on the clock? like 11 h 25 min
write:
12 h 01 min
